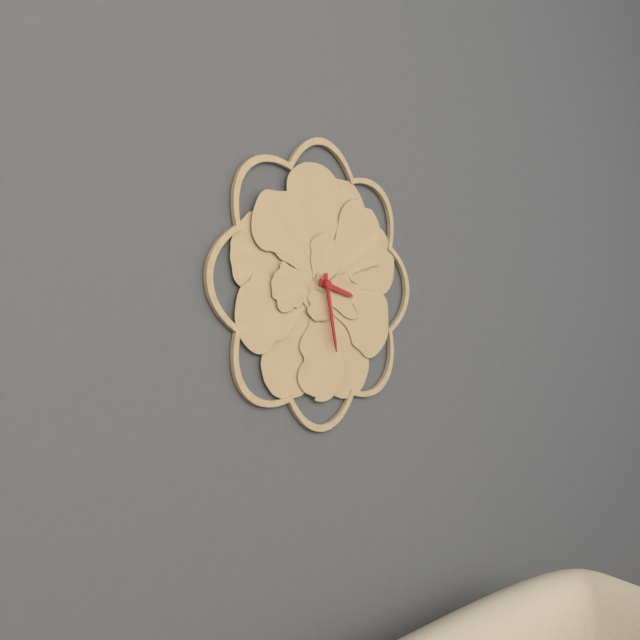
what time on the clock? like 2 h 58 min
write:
3 h 28 min
